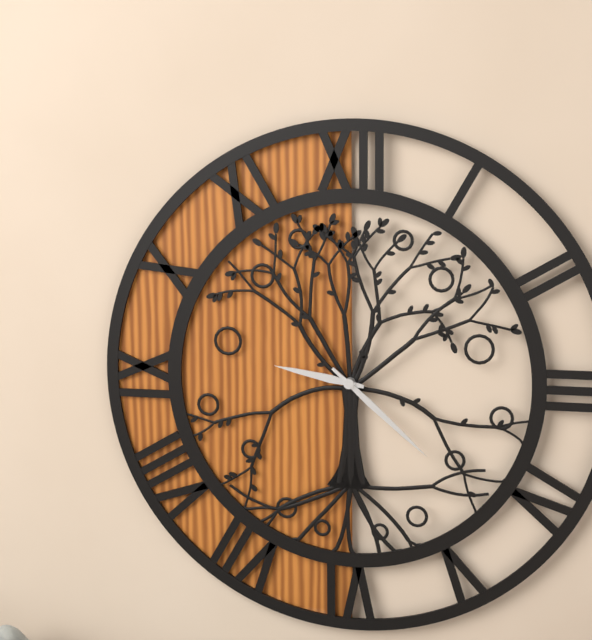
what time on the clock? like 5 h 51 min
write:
9 h 22 min
